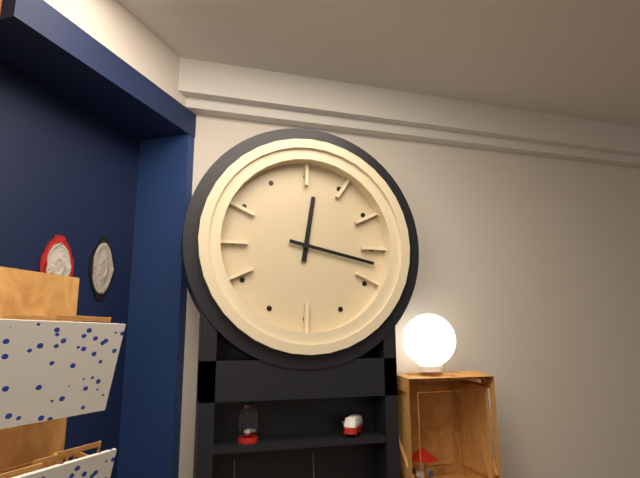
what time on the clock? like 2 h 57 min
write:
12 h 17 min
